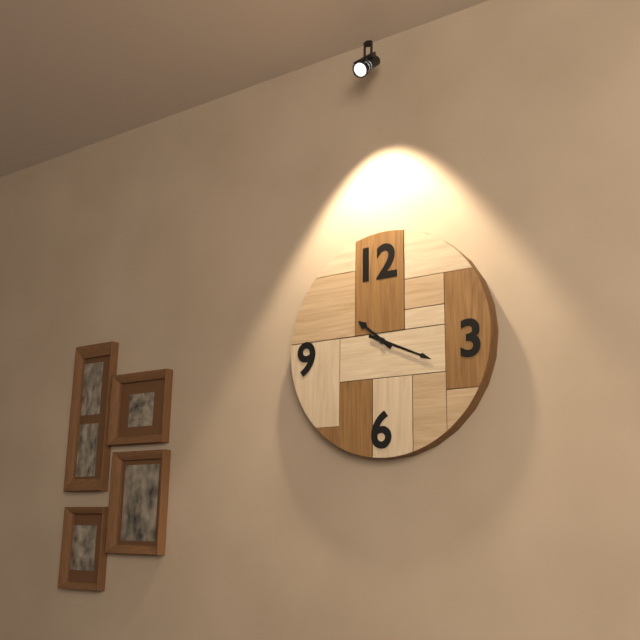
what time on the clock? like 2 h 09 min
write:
10 h 19 min
